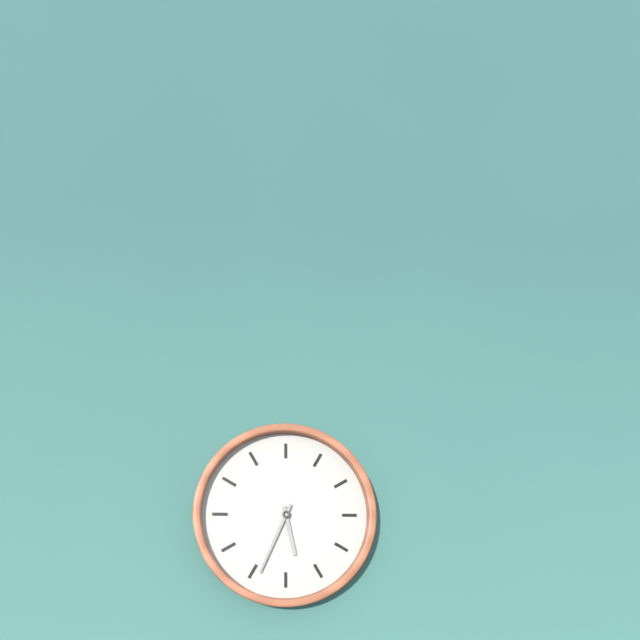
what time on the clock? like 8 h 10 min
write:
5 h 34 min
